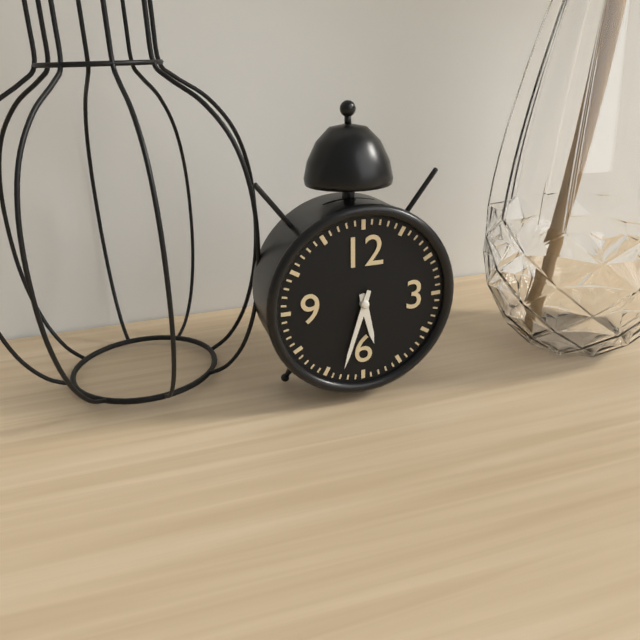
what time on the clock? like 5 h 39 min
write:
5 h 33 min
